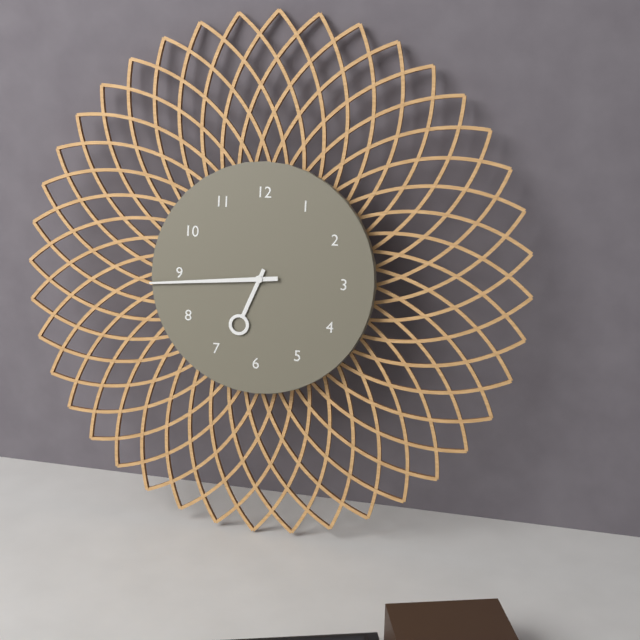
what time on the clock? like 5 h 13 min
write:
6 h 44 min
